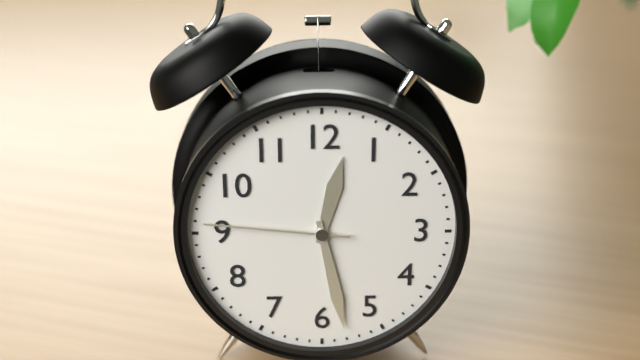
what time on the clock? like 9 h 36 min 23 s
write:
12 h 28 min 46 s
